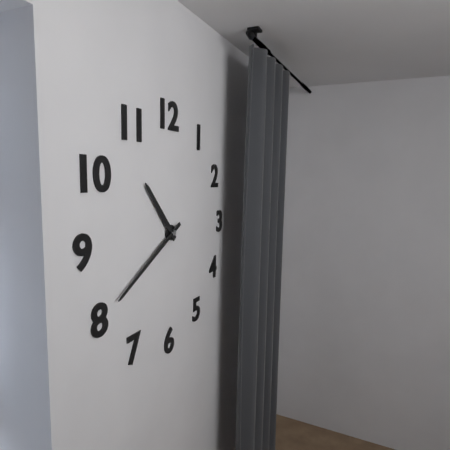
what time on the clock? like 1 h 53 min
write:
10 h 40 min
